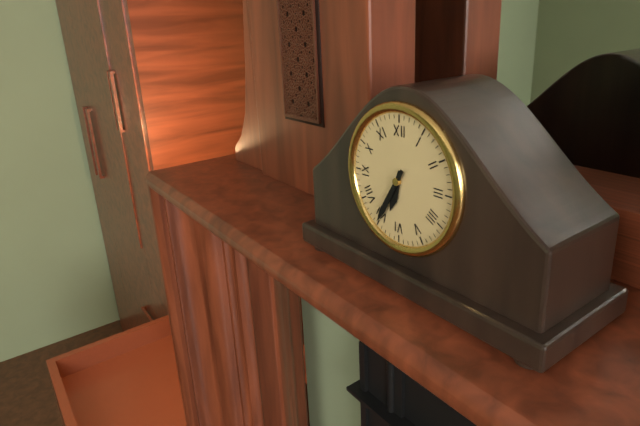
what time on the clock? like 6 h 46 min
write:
6 h 35 min
